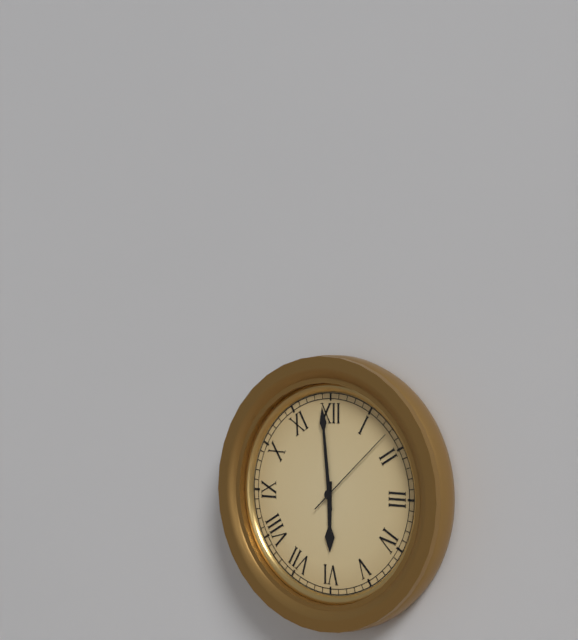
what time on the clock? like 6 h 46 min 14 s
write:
5 h 59 min 08 s
